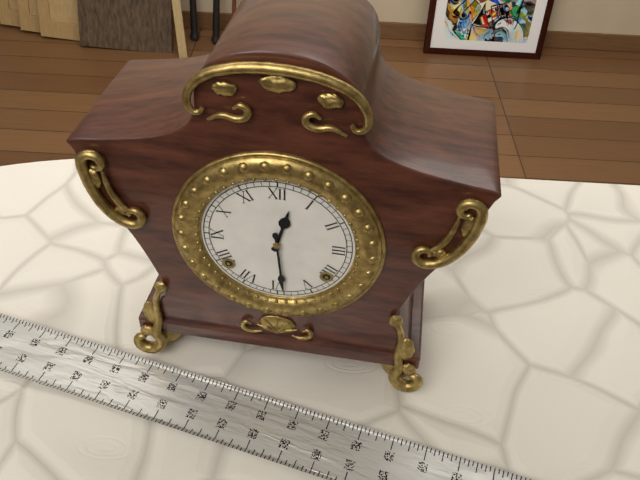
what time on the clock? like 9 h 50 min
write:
12 h 29 min
